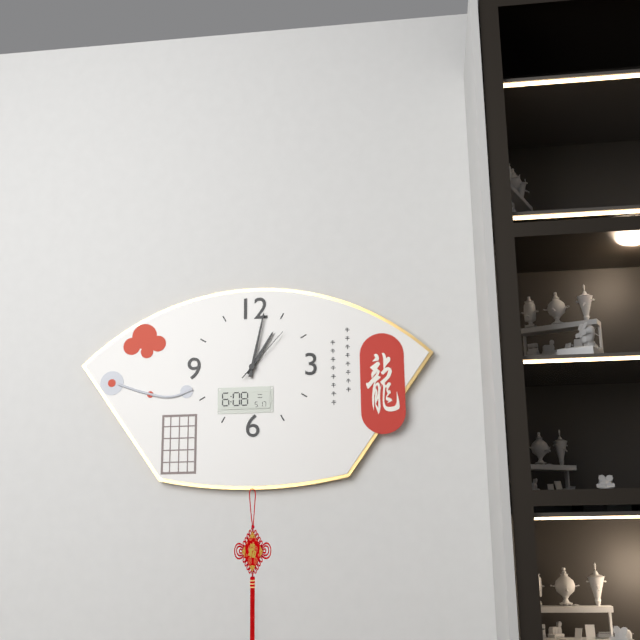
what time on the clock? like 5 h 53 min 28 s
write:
1 h 02 min 07 s
